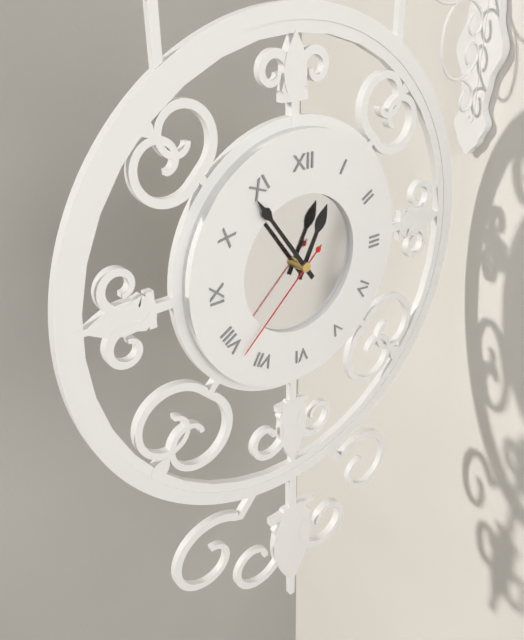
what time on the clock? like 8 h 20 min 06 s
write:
12 h 54 min 38 s
